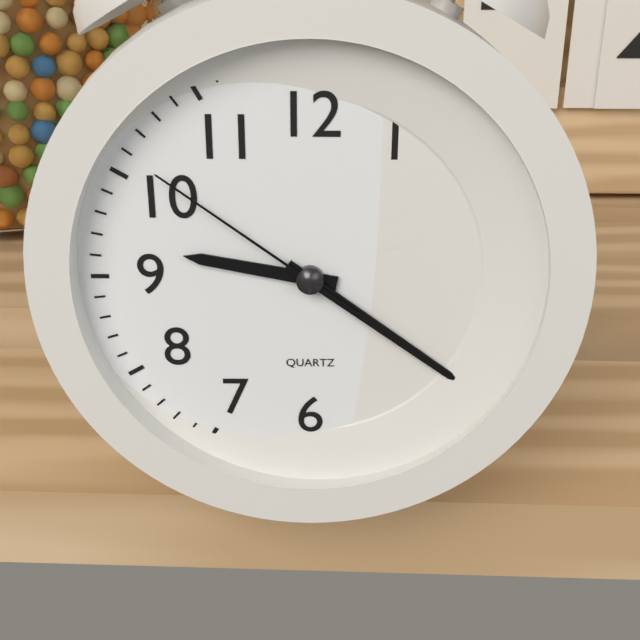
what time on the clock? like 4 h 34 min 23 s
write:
9 h 21 min 51 s
